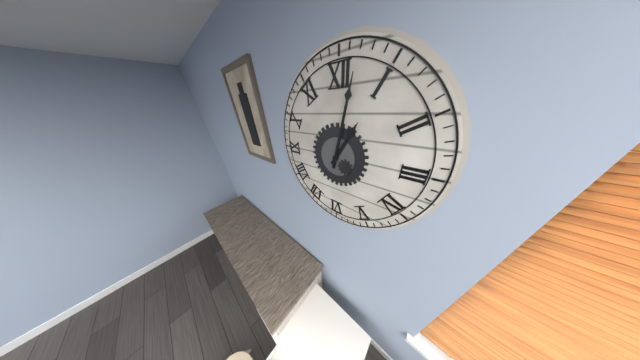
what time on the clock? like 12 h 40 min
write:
1 h 02 min
